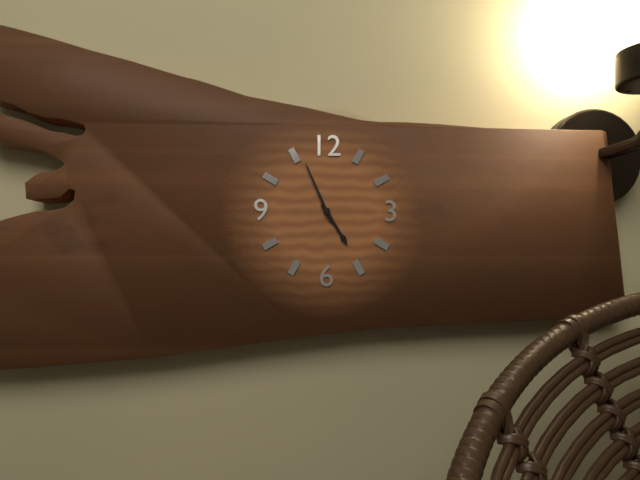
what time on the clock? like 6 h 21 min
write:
4 h 56 min
